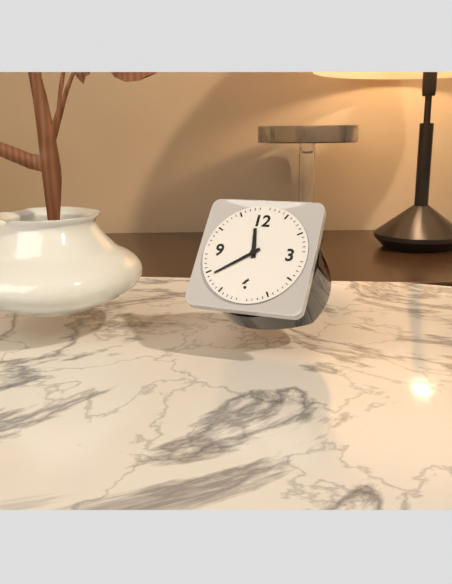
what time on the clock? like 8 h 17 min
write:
11 h 39 min
